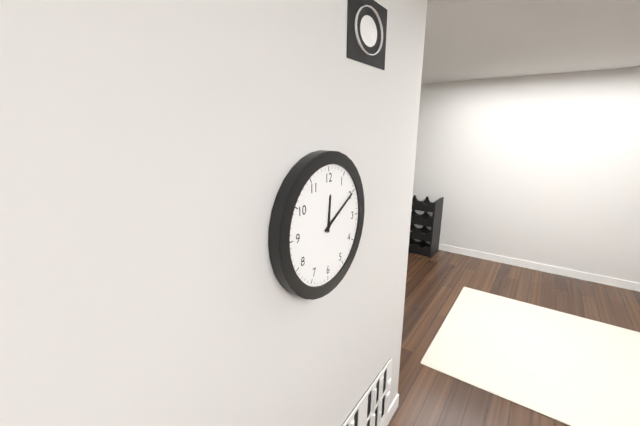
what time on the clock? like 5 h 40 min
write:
12 h 10 min
